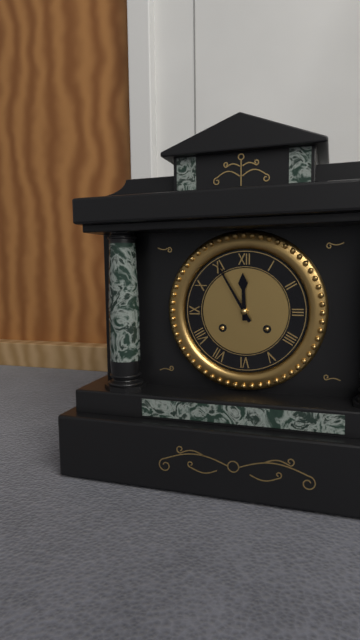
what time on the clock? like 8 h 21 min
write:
11 h 55 min
